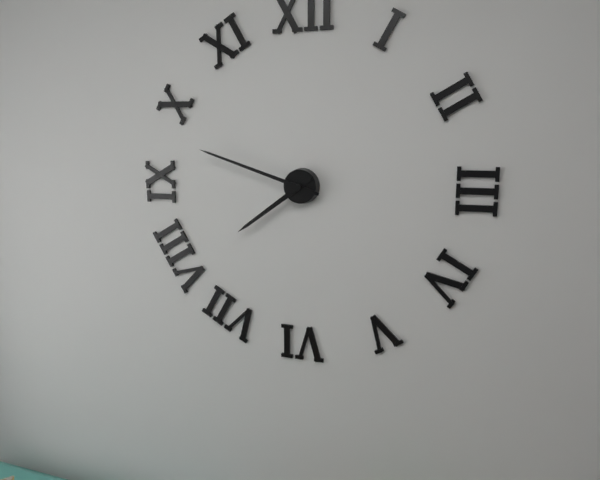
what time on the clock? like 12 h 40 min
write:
7 h 48 min
